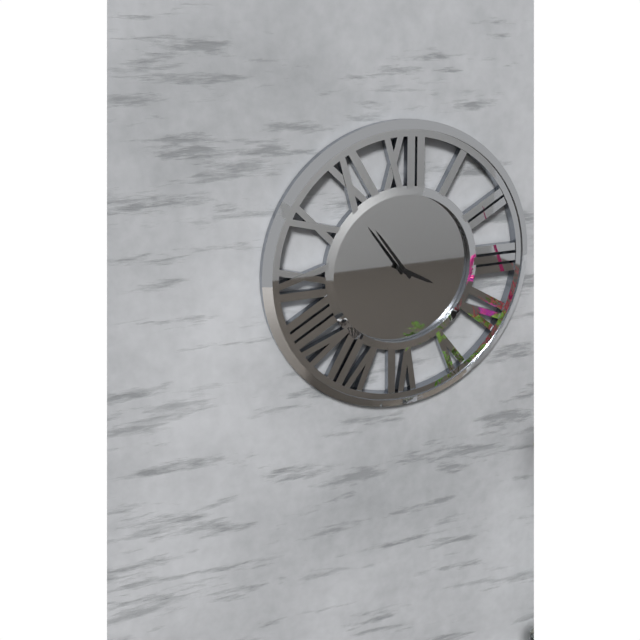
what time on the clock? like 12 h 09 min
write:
3 h 54 min
